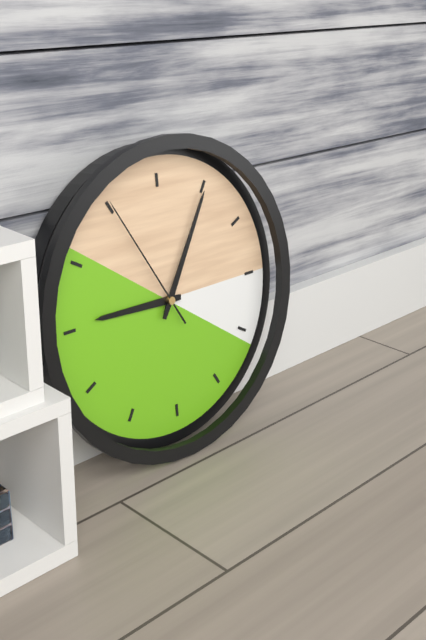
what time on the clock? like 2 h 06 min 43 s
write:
9 h 05 min 55 s
